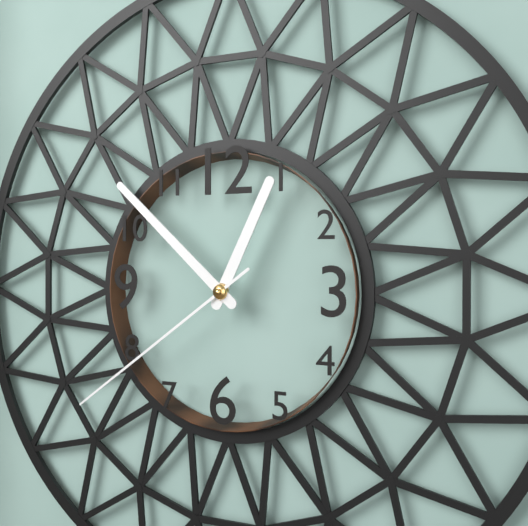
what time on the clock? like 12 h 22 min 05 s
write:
12 h 52 min 39 s
